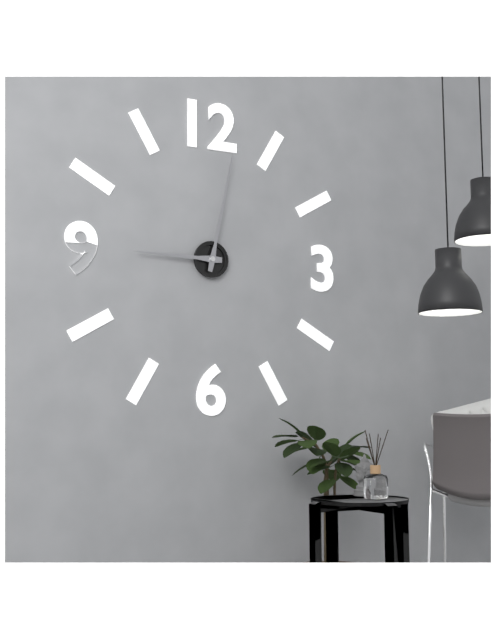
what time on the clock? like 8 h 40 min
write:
9 h 02 min
